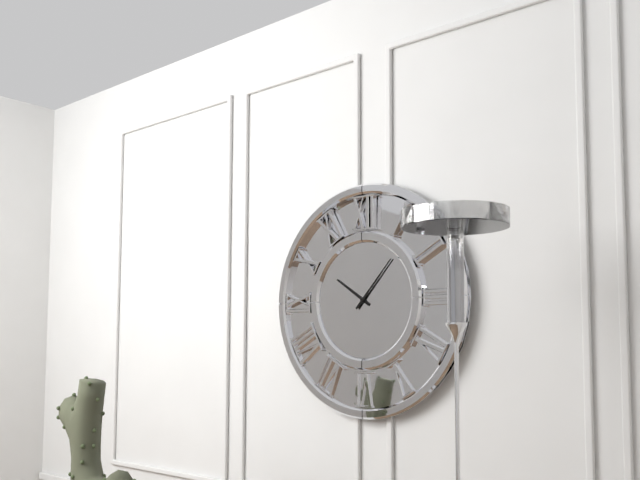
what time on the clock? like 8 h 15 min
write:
10 h 07 min
